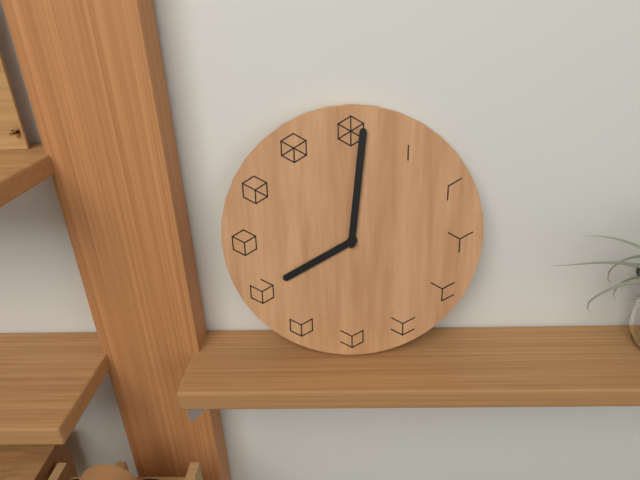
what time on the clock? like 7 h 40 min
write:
8 h 01 min
